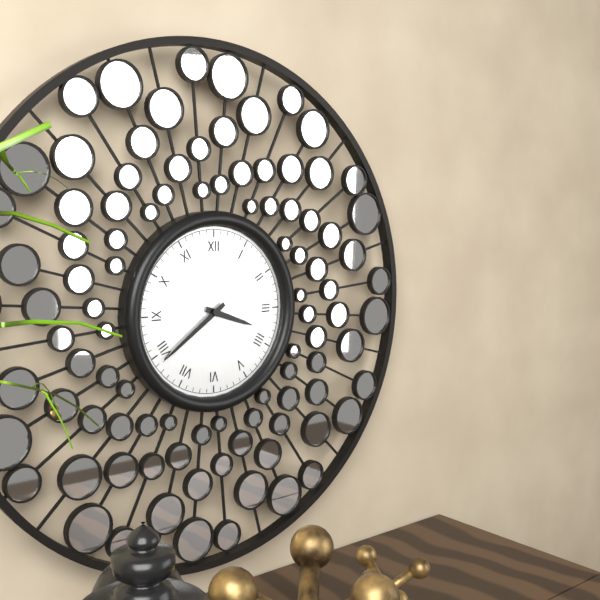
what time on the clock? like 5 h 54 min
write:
3 h 39 min
